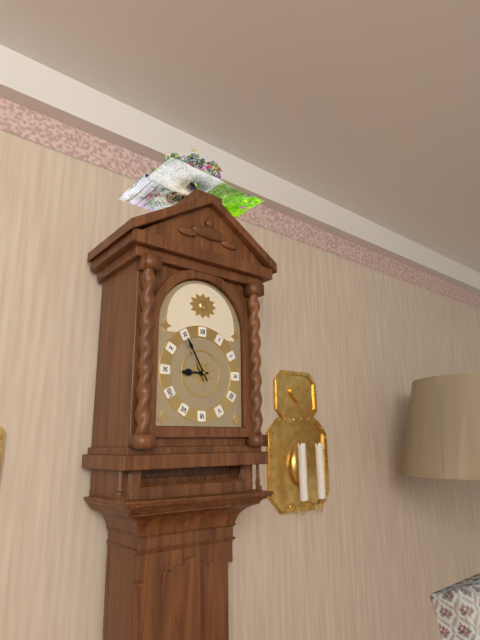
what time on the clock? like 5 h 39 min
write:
8 h 55 min
